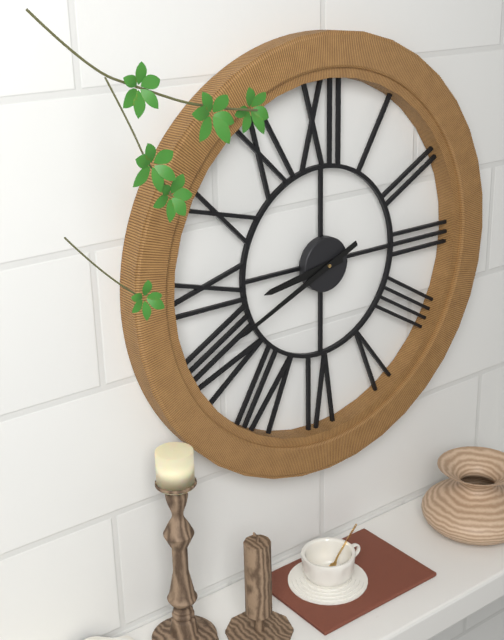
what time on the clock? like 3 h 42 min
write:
8 h 41 min
